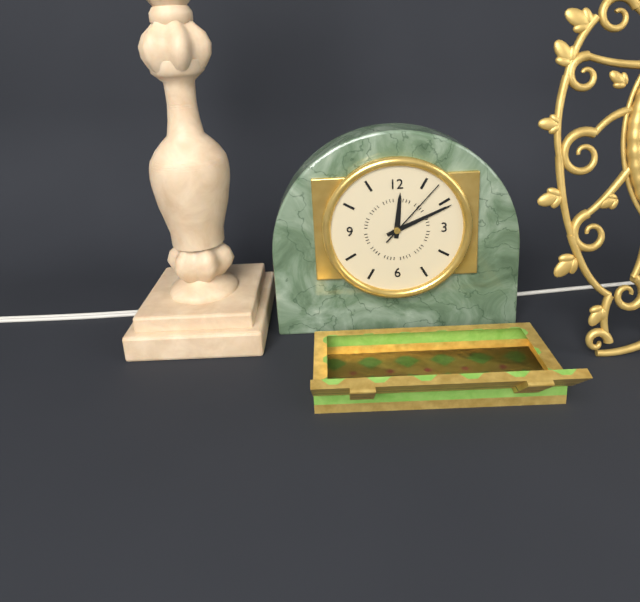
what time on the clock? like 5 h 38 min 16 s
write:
12 h 11 min 07 s
